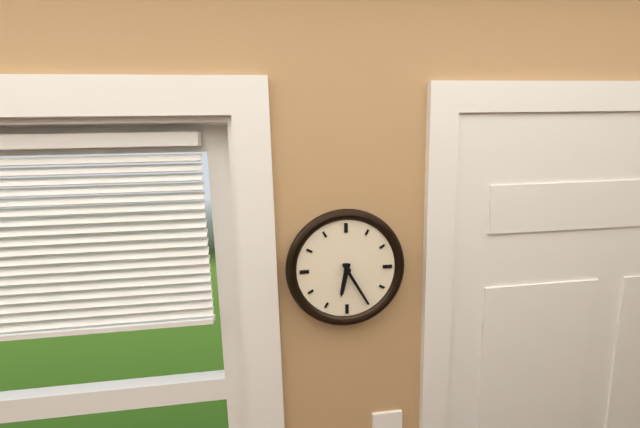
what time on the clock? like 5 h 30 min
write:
6 h 25 min
